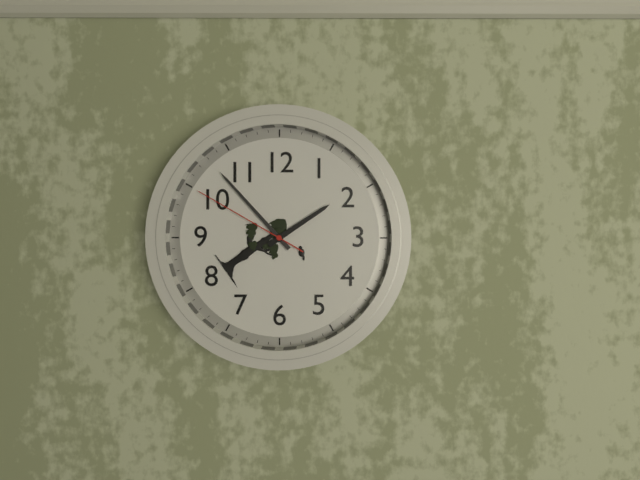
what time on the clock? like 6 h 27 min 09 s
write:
1 h 53 min 50 s
